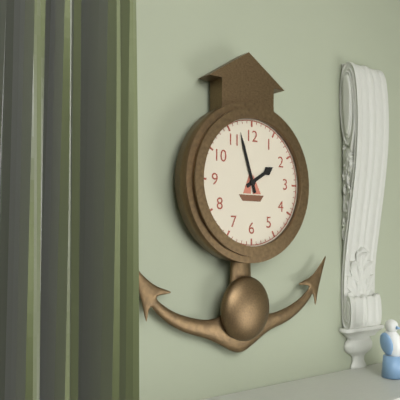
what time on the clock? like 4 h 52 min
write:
1 h 57 min
